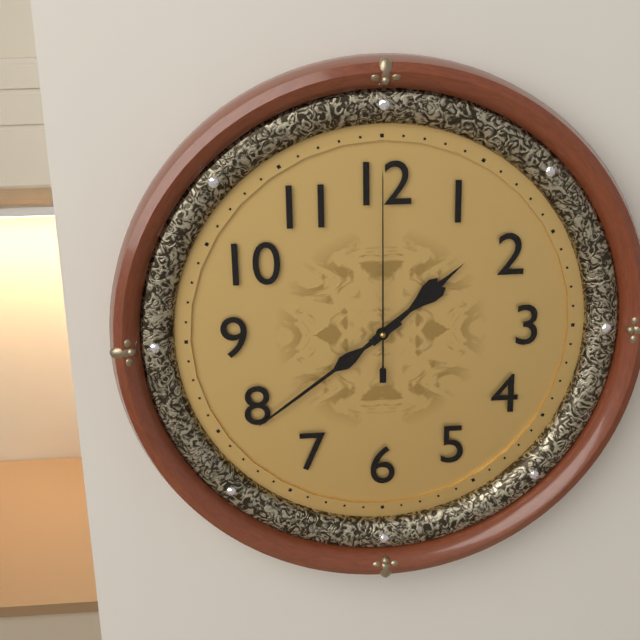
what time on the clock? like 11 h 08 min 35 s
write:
1 h 39 min 00 s
